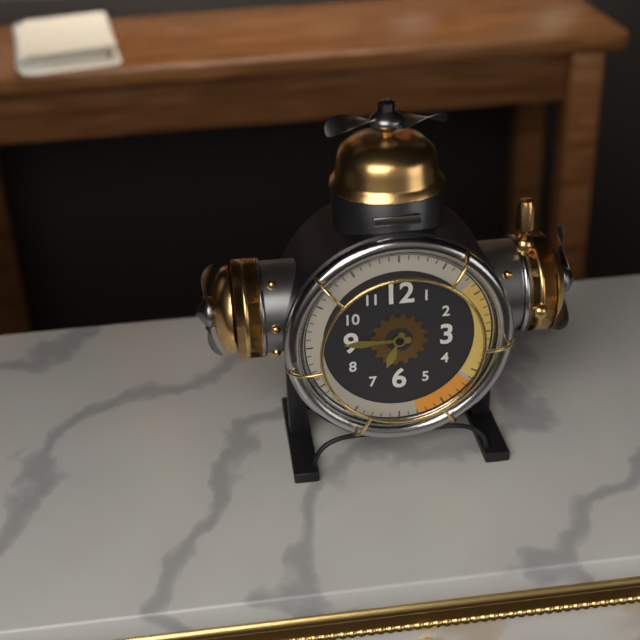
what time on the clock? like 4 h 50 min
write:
6 h 45 min
